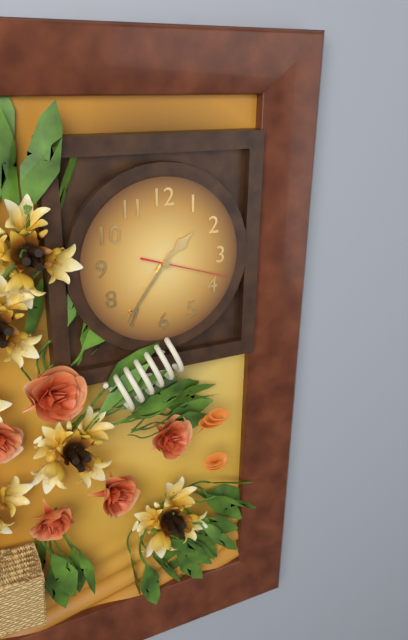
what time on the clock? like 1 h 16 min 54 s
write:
1 h 36 min 18 s
